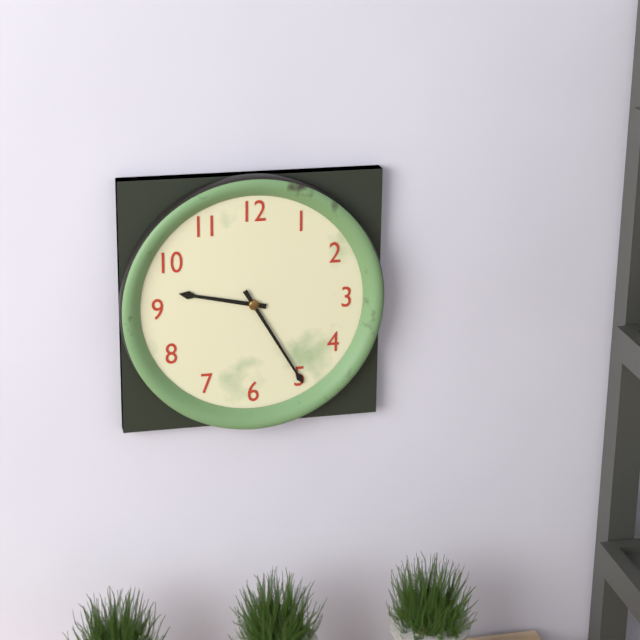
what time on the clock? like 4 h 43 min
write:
9 h 25 min
